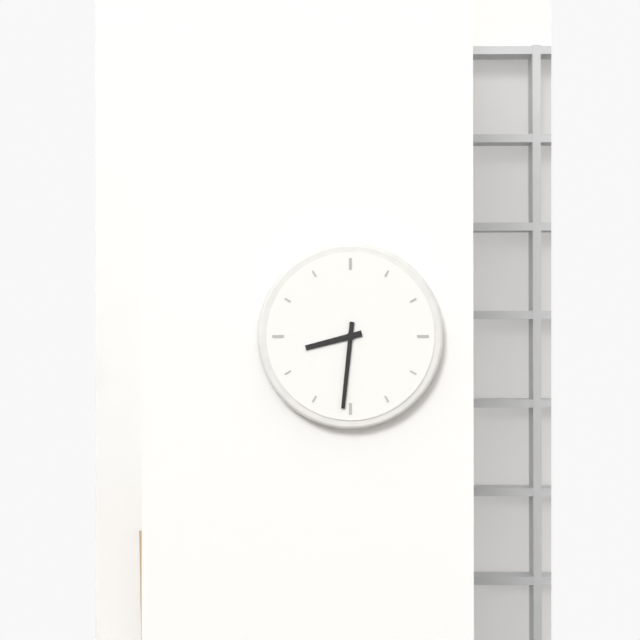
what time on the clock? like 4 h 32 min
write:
8 h 31 min
